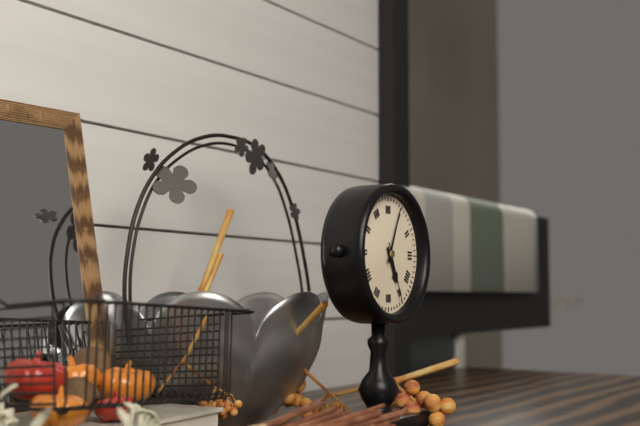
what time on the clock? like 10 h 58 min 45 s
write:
5 h 04 min 26 s
